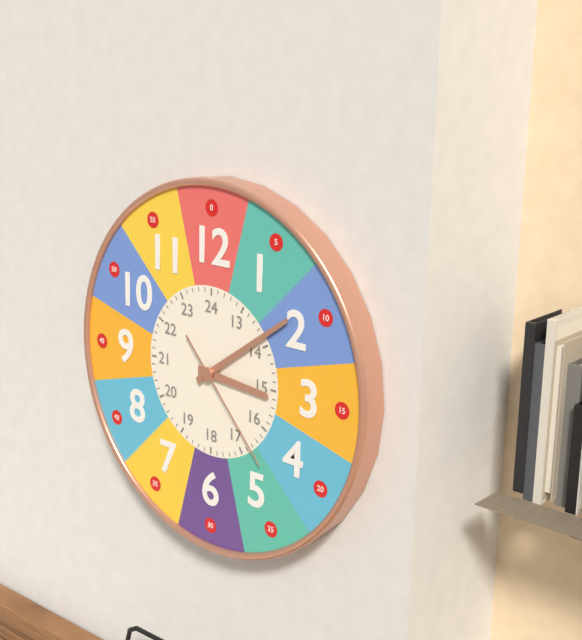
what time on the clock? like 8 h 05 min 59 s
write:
3 h 09 min 23 s
